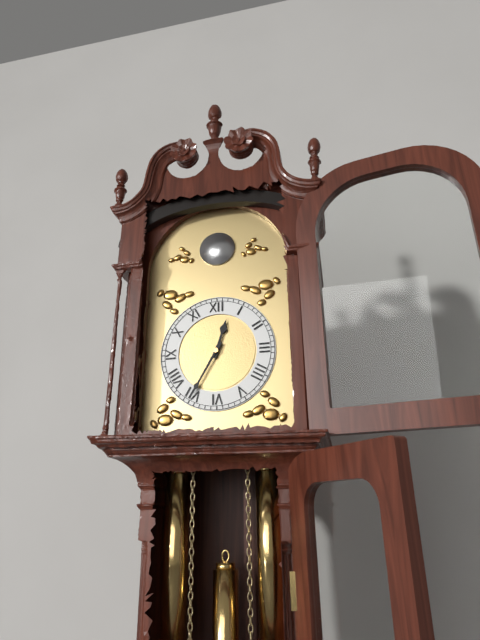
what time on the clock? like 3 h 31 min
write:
12 h 35 min
